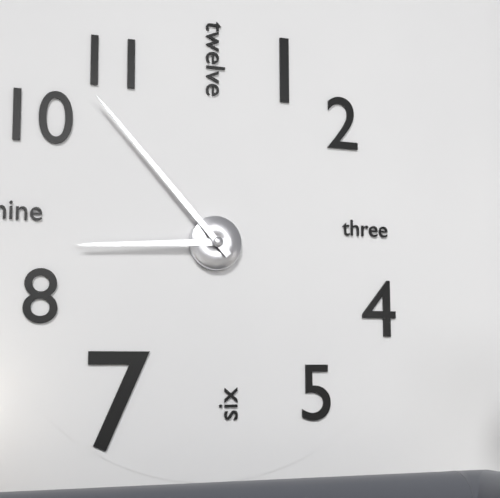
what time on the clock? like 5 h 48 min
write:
8 h 53 min
